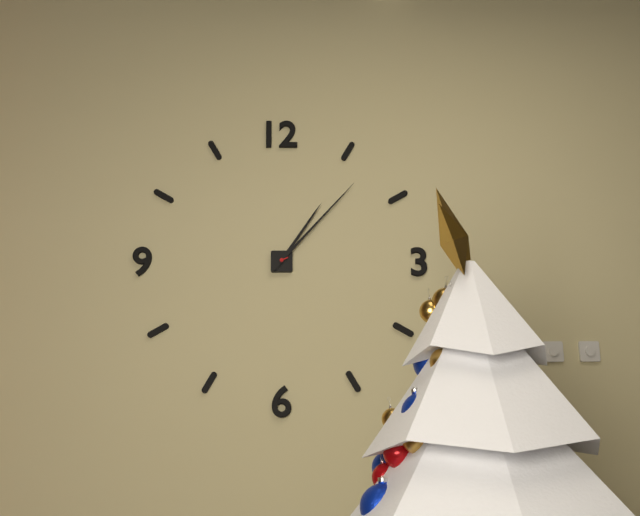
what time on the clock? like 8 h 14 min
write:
1 h 07 min
